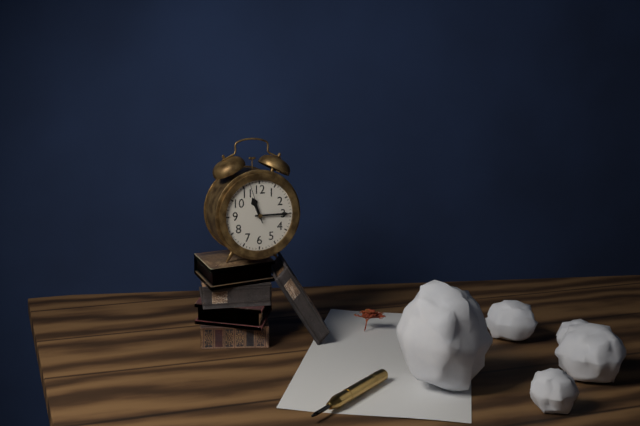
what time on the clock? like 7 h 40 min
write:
11 h 15 min
